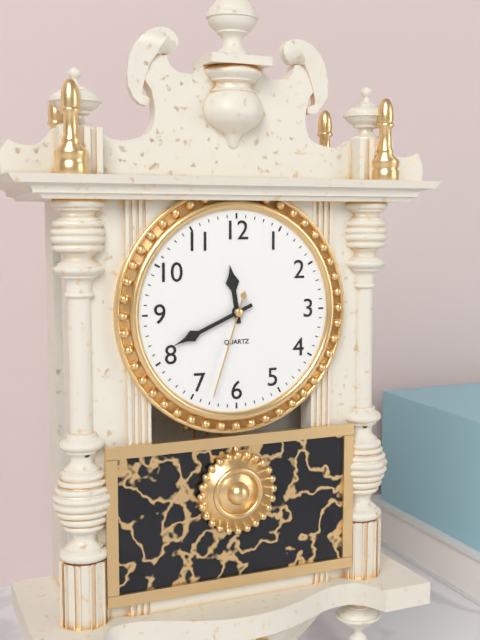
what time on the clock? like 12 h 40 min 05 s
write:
11 h 41 min 33 s
